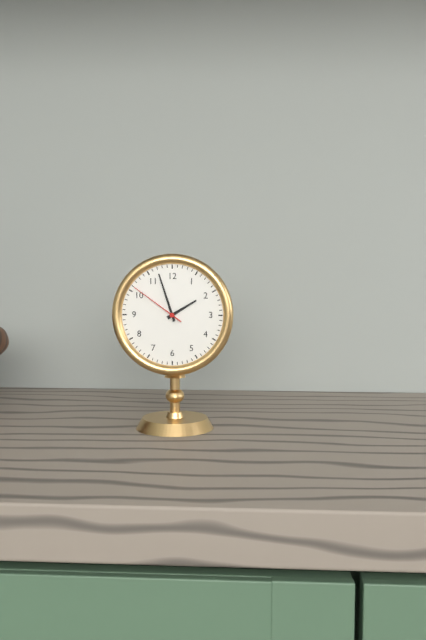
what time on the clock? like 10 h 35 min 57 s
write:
1 h 57 min 51 s
